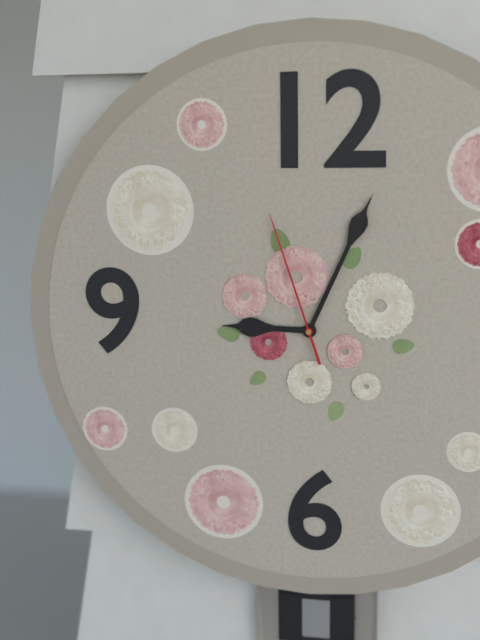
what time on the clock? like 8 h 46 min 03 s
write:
9 h 04 min 57 s
